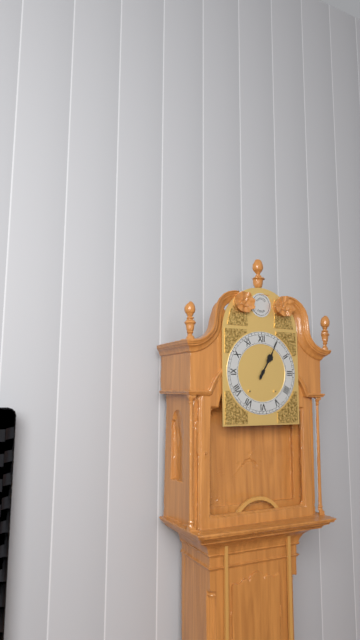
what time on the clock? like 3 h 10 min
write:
1 h 05 min
